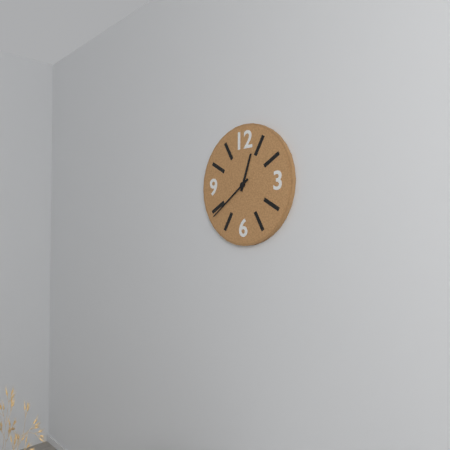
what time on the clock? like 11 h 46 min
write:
12 h 39 min
